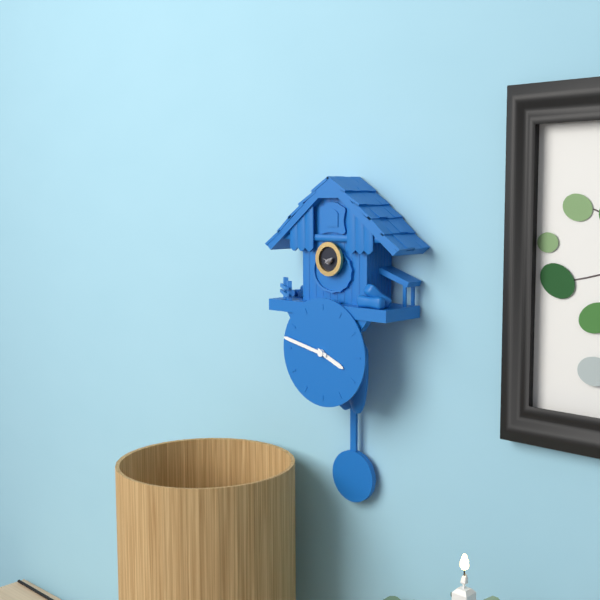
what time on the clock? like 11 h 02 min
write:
3 h 47 min
